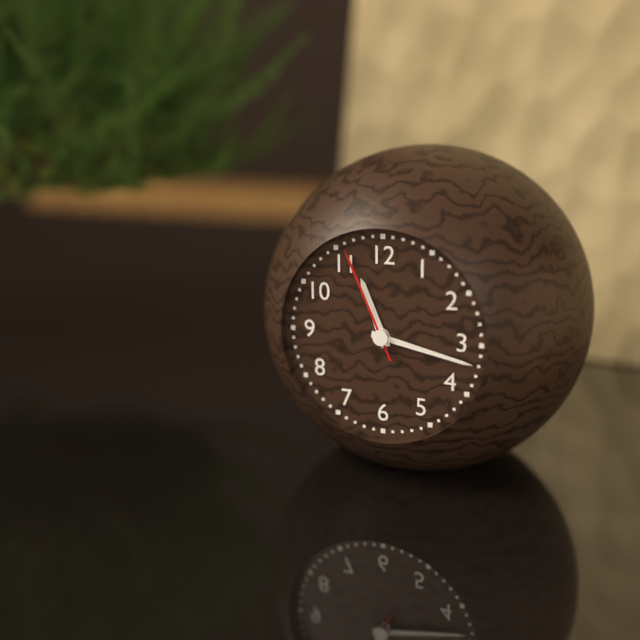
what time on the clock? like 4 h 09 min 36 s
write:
11 h 17 min 56 s
